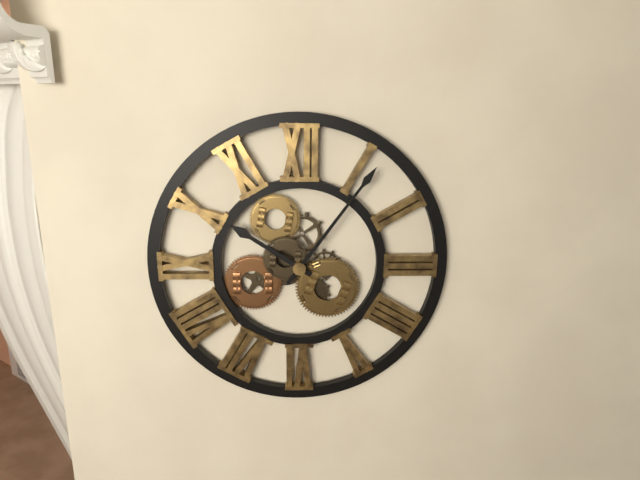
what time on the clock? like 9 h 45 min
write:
10 h 06 min
